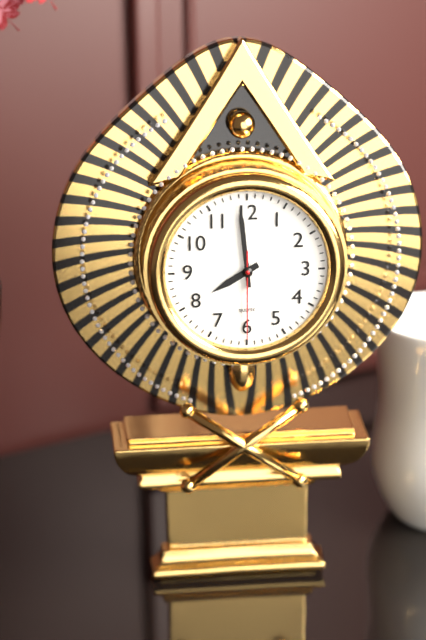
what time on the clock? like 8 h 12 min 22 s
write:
7 h 59 min 30 s
